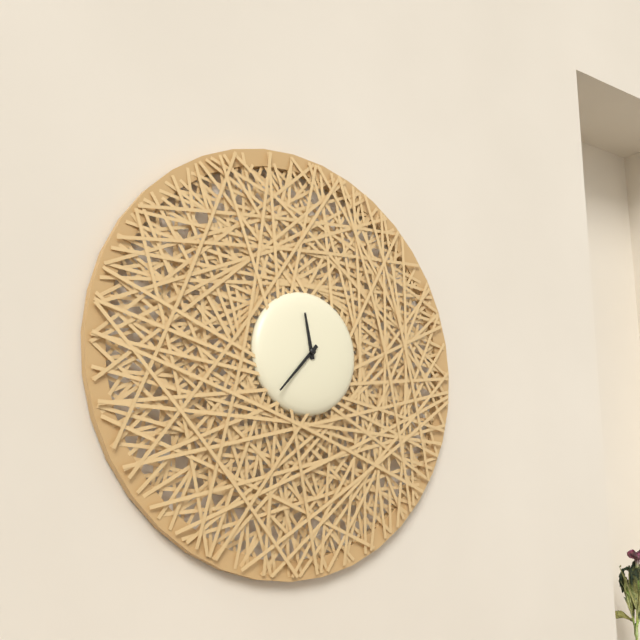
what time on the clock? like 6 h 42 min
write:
11 h 37 min
